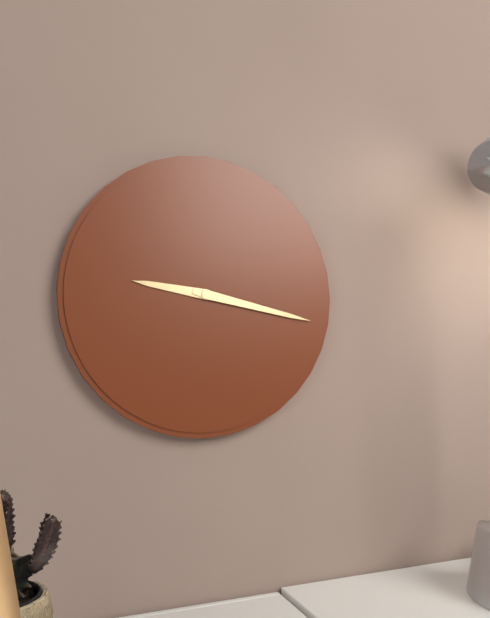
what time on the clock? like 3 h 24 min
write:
9 h 17 min
